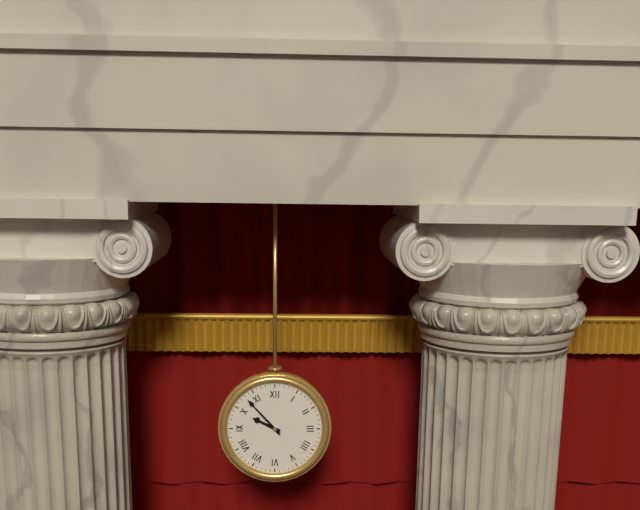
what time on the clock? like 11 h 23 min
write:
9 h 53 min
